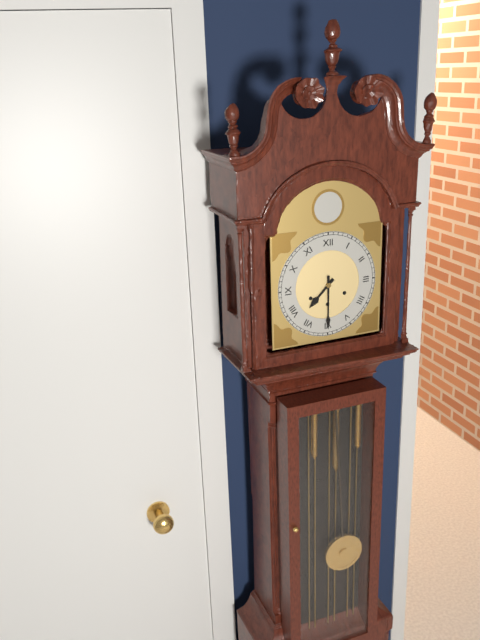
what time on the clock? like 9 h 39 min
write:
7 h 30 min
